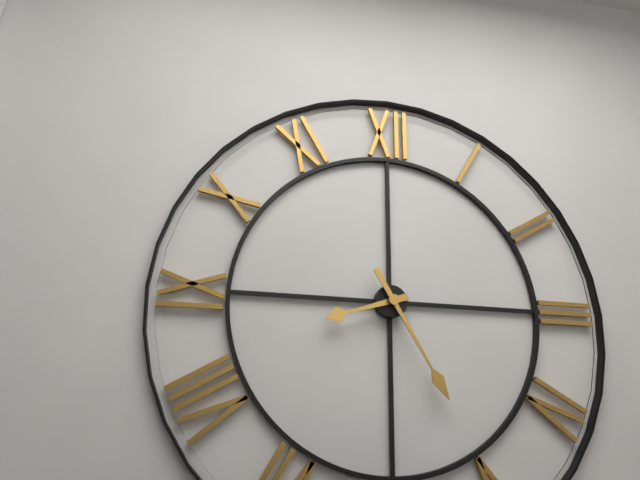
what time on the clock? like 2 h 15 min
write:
8 h 25 min
